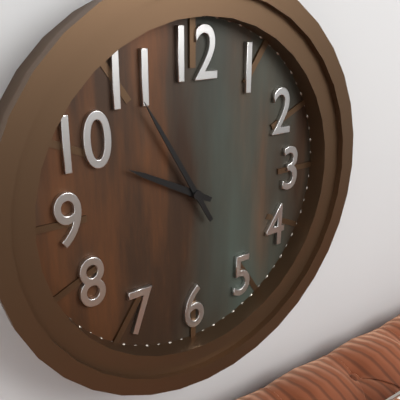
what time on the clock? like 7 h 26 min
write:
9 h 55 min
